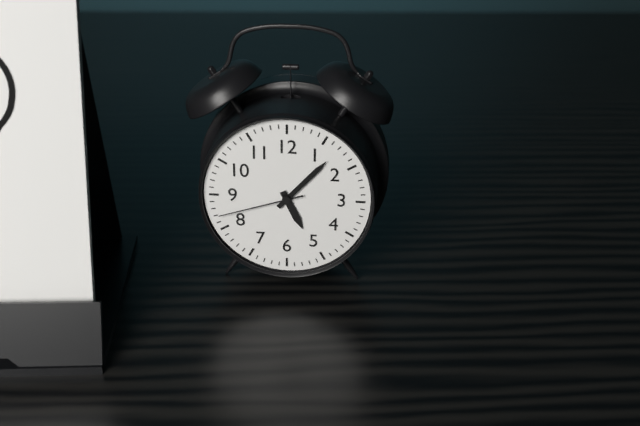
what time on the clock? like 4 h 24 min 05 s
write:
5 h 07 min 42 s
